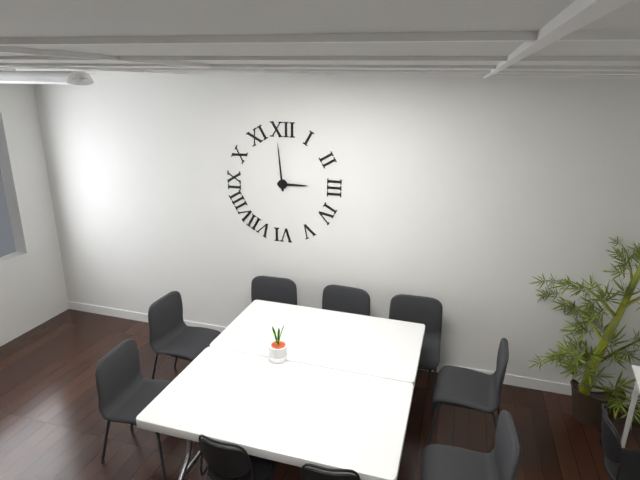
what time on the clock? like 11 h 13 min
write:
2 h 59 min
